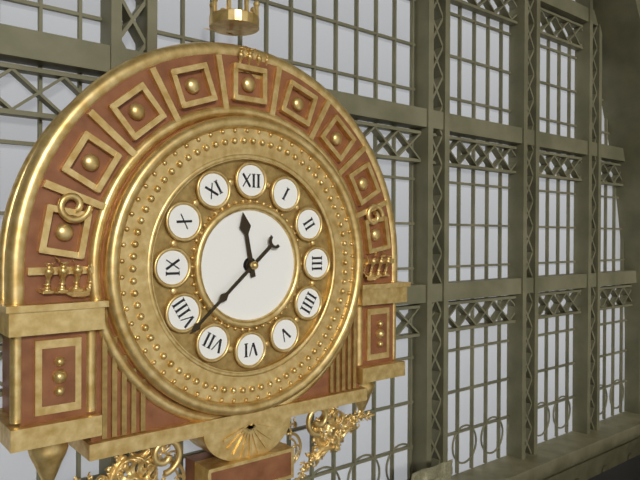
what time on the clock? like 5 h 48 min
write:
11 h 38 min
